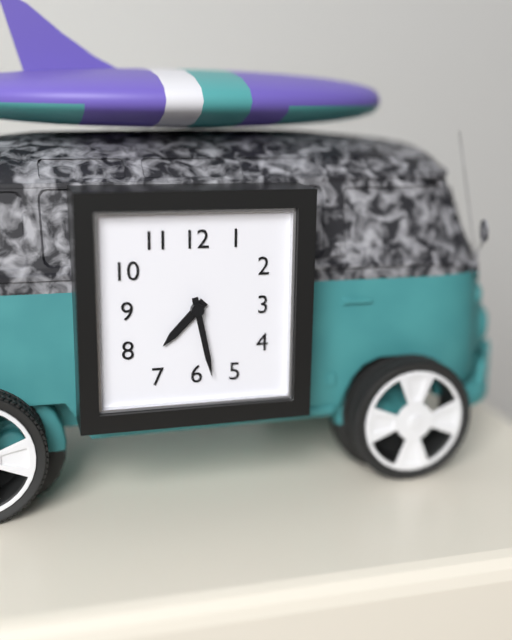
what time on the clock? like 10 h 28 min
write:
7 h 28 min
